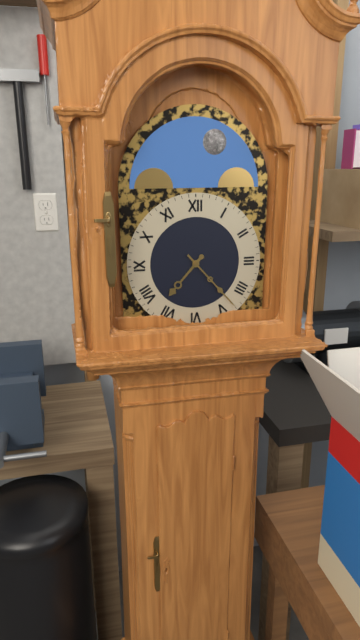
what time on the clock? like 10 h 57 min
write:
7 h 23 min
